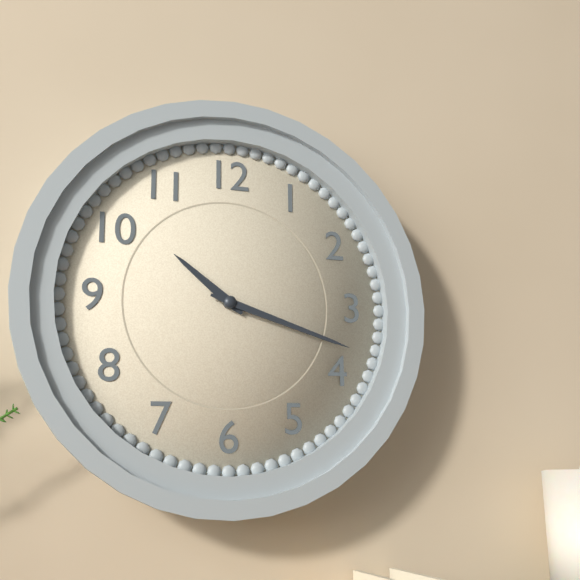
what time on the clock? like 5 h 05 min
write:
10 h 18 min
